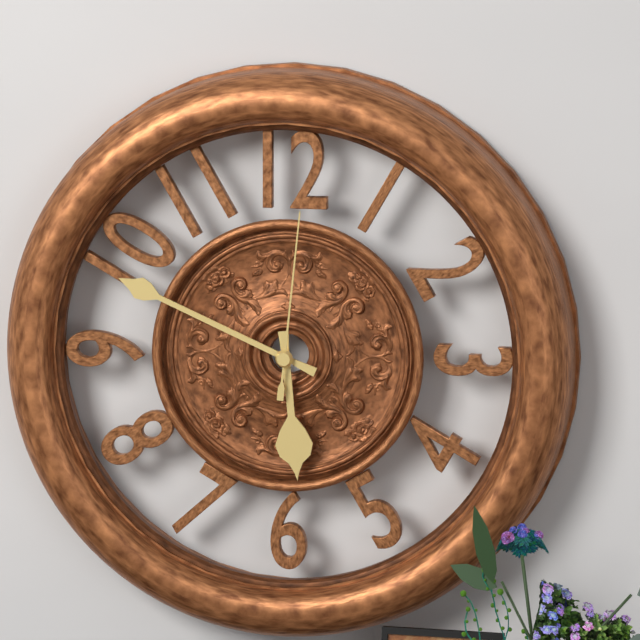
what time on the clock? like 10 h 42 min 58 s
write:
5 h 49 min 01 s
